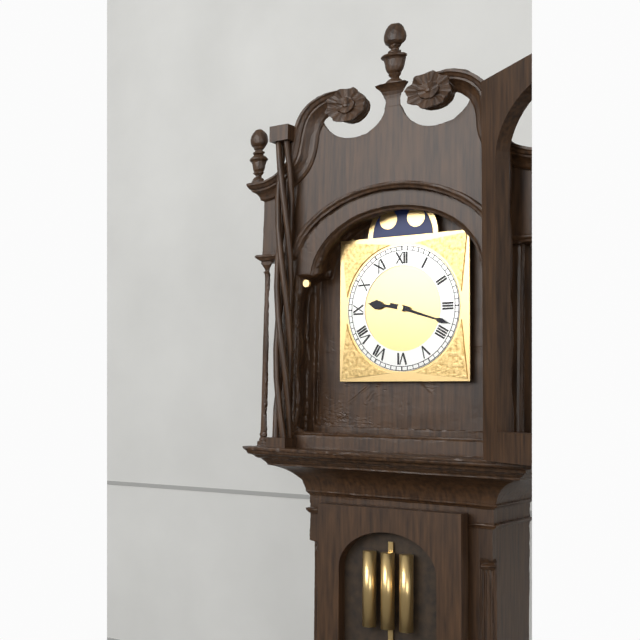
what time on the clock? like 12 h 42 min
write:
9 h 18 min
